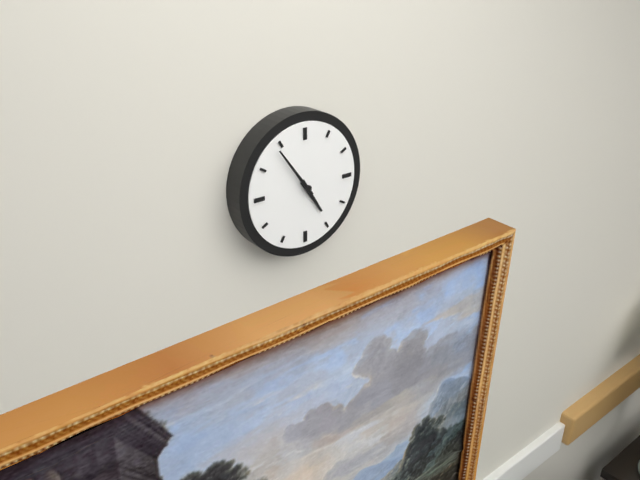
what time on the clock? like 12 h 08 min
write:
4 h 54 min
